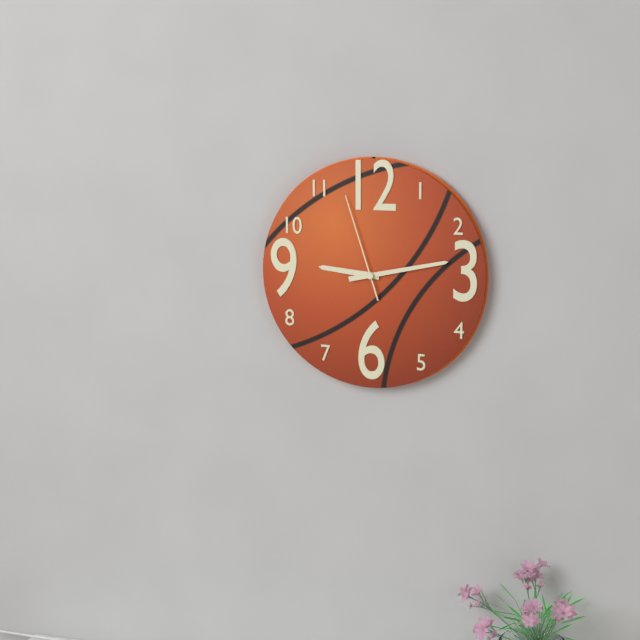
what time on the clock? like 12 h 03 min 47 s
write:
9 h 13 min 57 s
